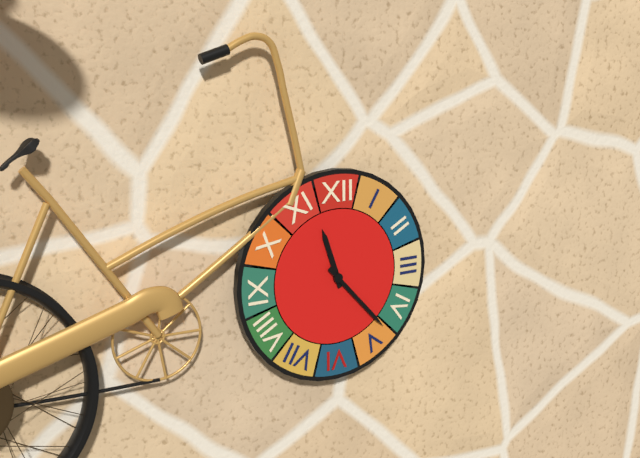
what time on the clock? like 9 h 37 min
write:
11 h 23 min
